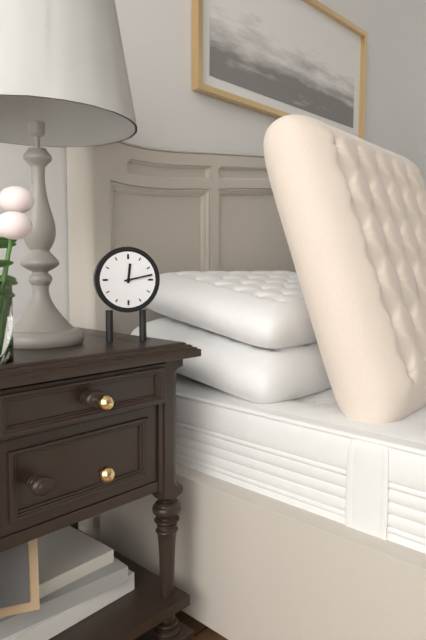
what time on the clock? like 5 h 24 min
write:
12 h 13 min
